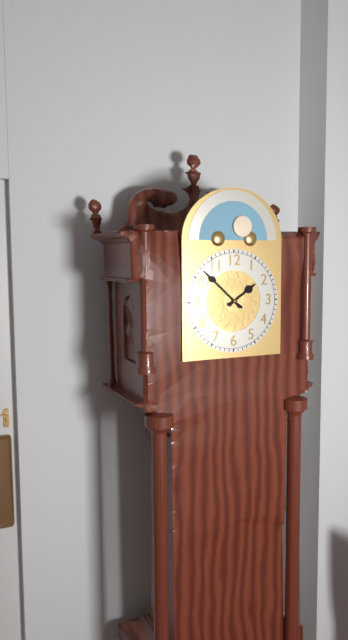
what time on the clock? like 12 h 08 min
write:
1 h 52 min
